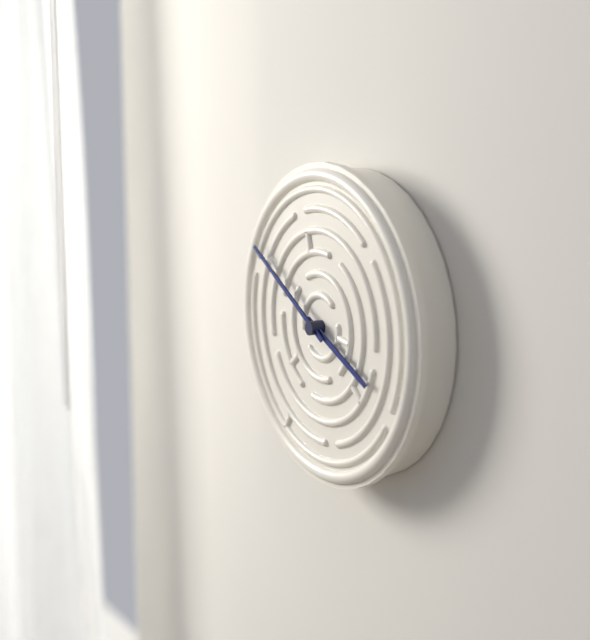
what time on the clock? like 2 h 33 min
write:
3 h 50 min
